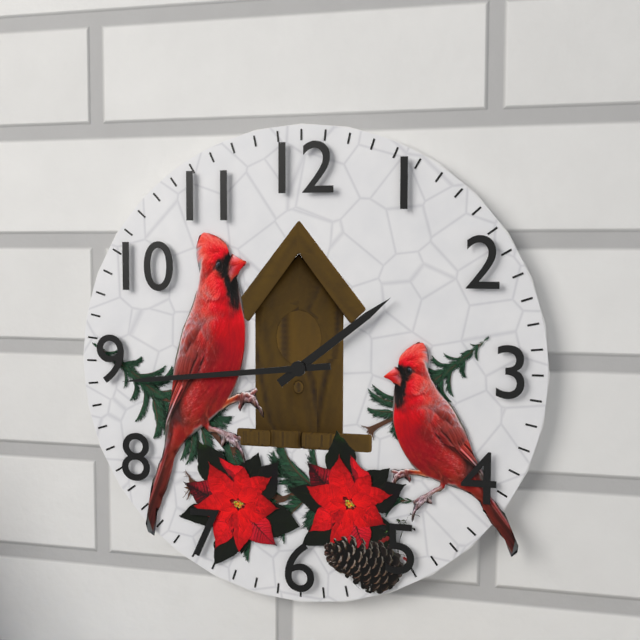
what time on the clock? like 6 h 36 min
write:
1 h 44 min
